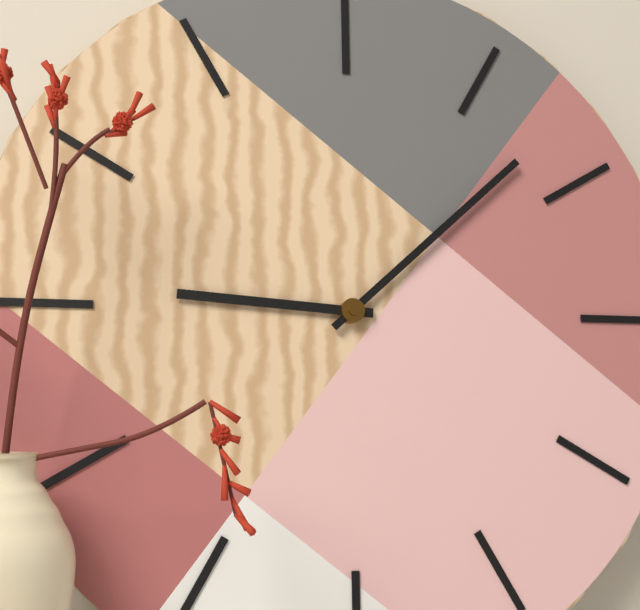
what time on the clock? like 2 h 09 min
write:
9 h 08 min
